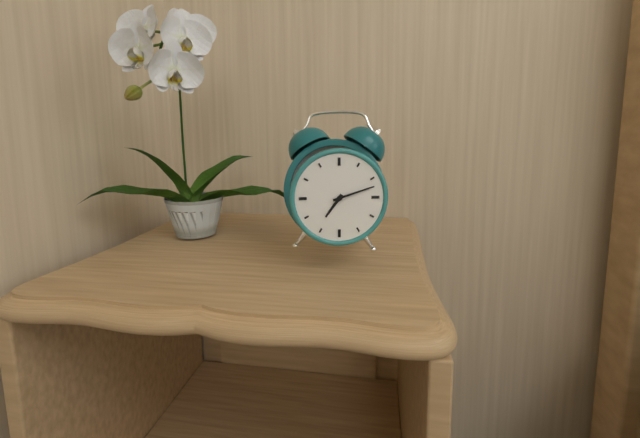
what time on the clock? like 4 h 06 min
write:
7 h 12 min
